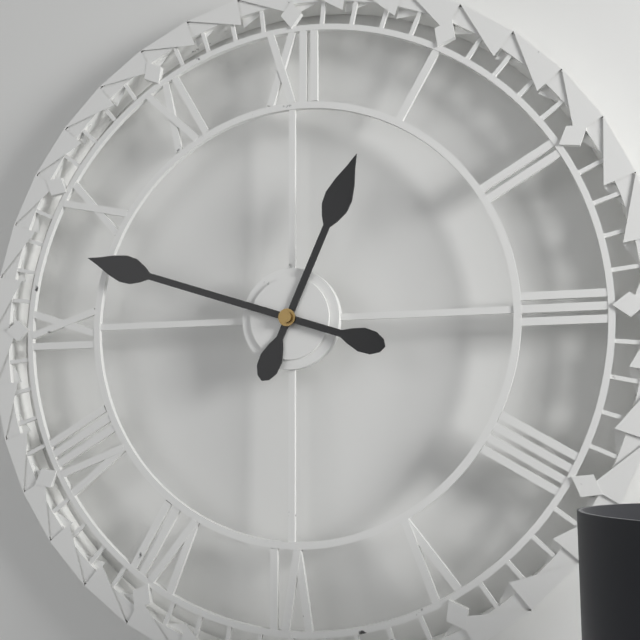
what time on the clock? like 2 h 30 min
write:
12 h 48 min
